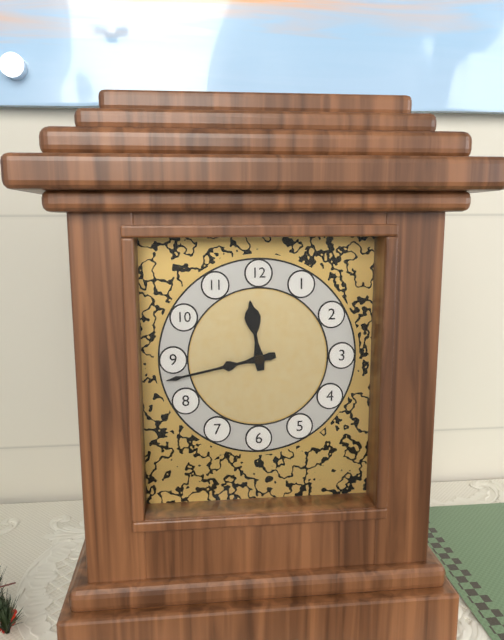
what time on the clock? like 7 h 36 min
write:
11 h 43 min
